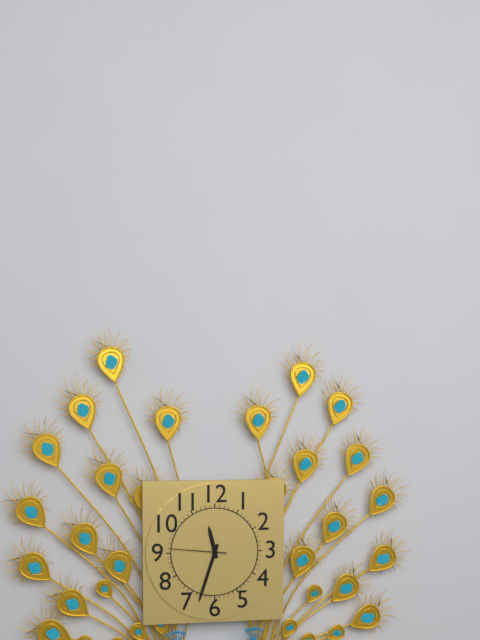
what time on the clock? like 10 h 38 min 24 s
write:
11 h 33 min 46 s
